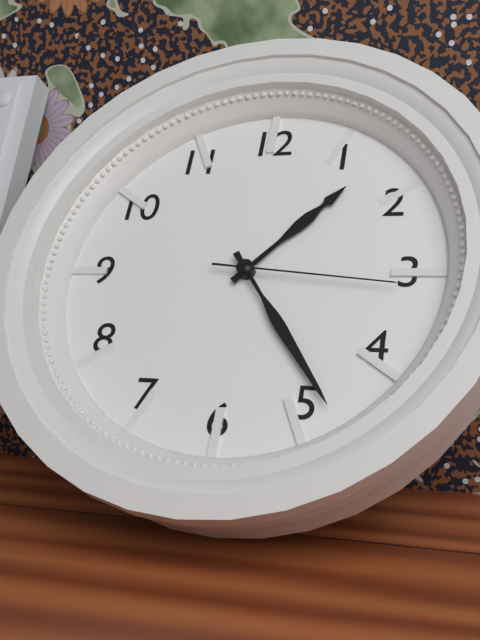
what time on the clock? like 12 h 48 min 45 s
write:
1 h 24 min 16 s
